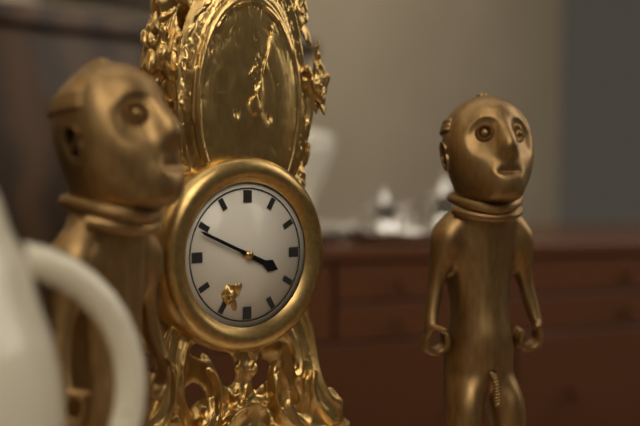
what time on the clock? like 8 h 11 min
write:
3 h 49 min
